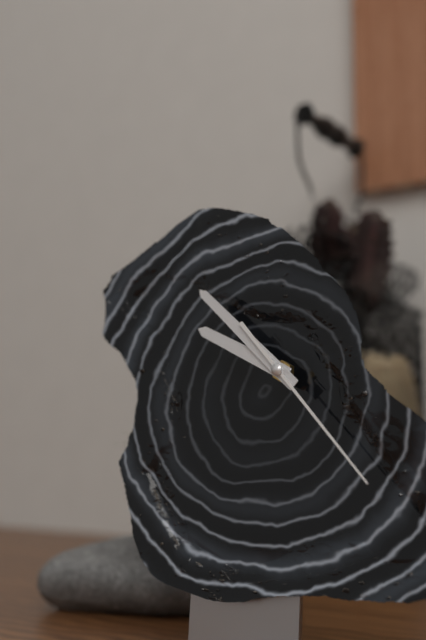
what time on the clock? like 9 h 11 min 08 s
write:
9 h 52 min 23 s
